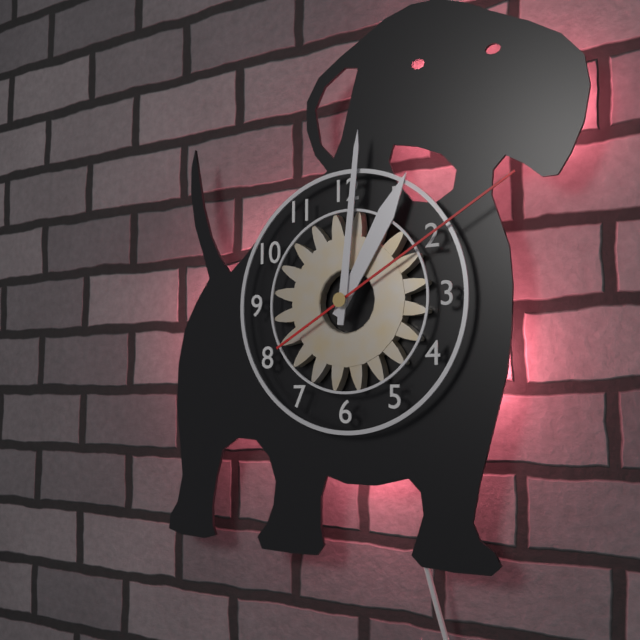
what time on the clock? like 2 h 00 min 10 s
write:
1 h 01 min 10 s
